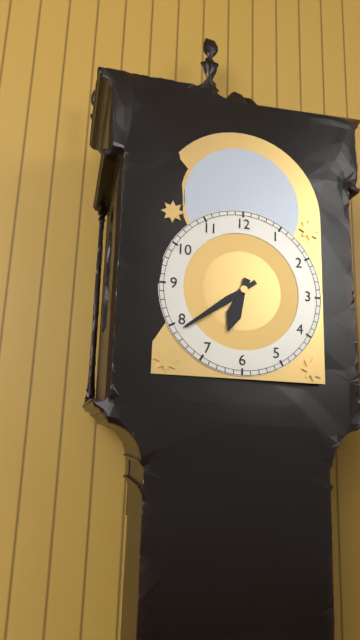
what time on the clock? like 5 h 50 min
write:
6 h 39 min
